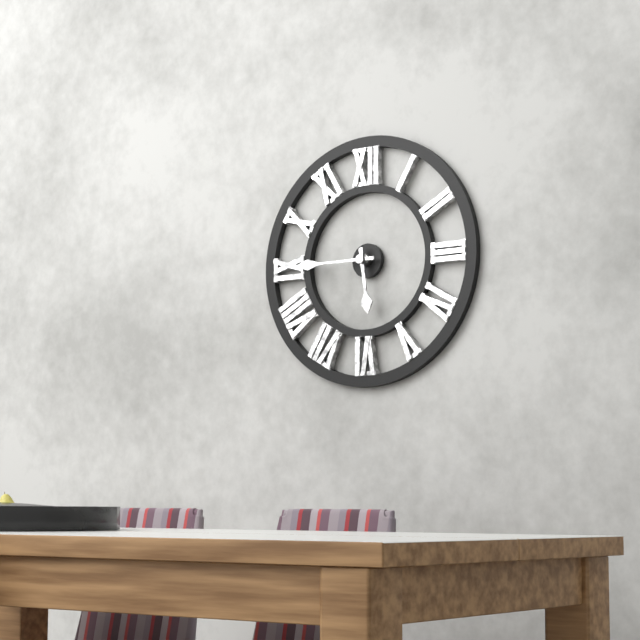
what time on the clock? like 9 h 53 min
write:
5 h 45 min
